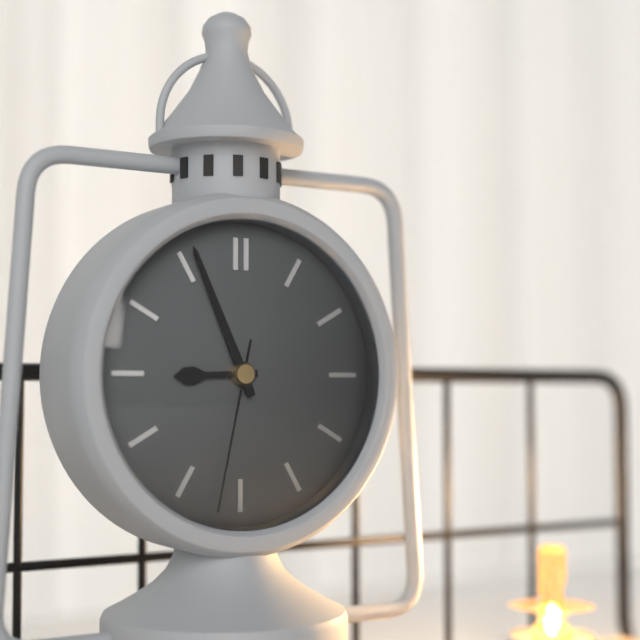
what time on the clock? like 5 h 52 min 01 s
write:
8 h 56 min 32 s
